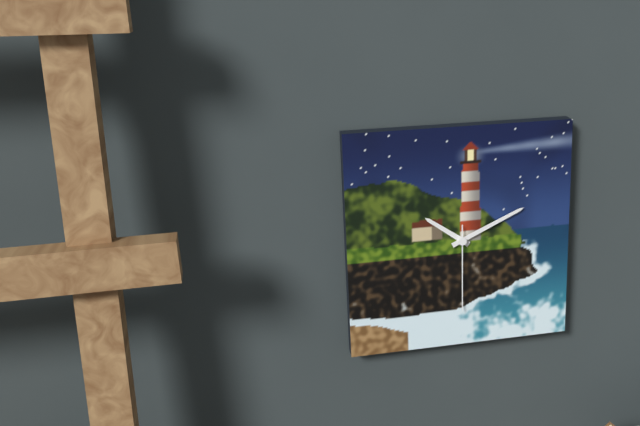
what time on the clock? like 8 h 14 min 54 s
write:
10 h 11 min 30 s
